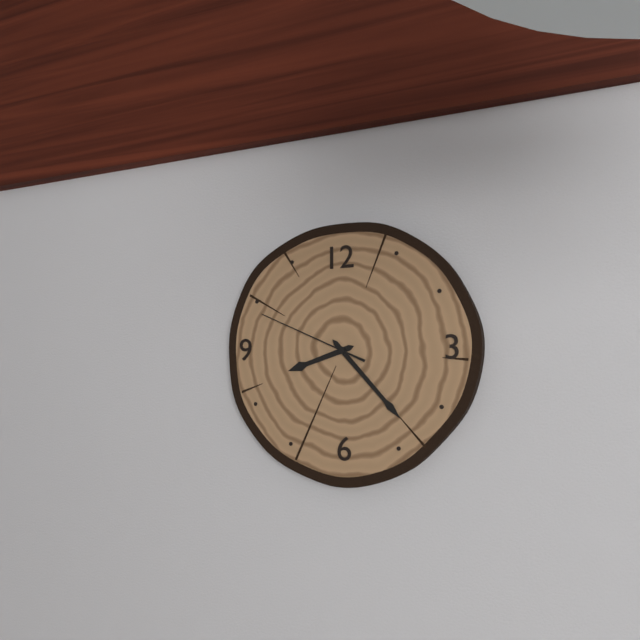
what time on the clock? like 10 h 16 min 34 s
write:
8 h 23 min 49 s
